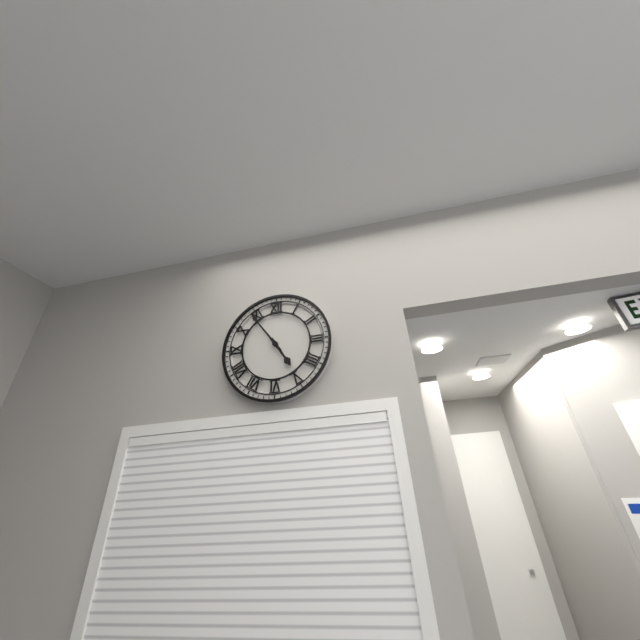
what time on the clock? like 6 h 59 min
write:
4 h 54 min
